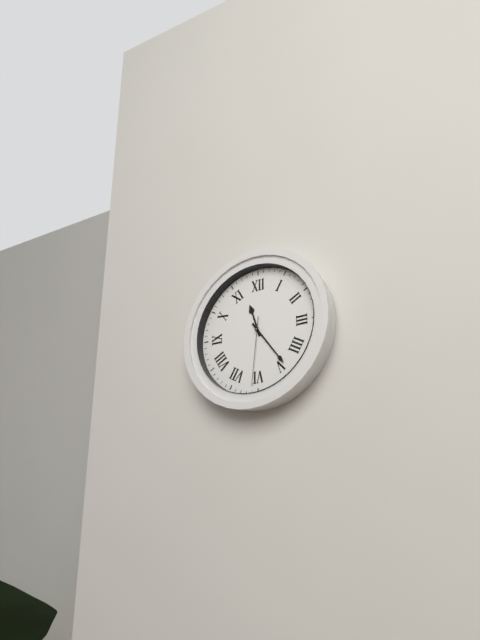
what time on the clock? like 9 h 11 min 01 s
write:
11 h 24 min 31 s
